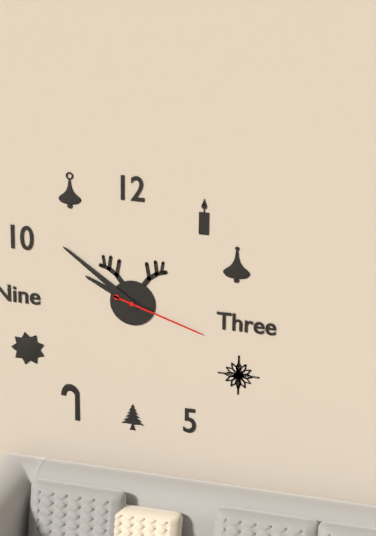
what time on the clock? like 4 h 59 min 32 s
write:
9 h 51 min 18 s
